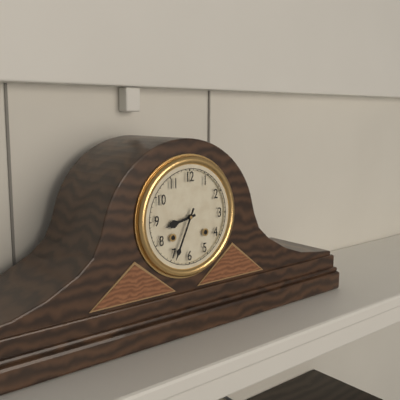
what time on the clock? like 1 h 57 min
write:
8 h 34 min
